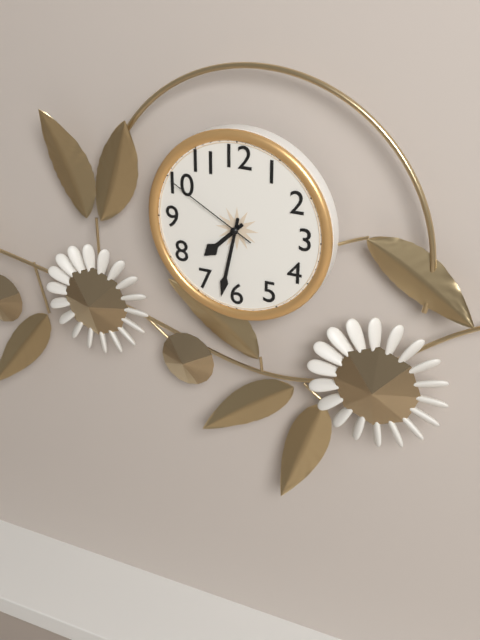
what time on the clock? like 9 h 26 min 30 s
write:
7 h 32 min 50 s
